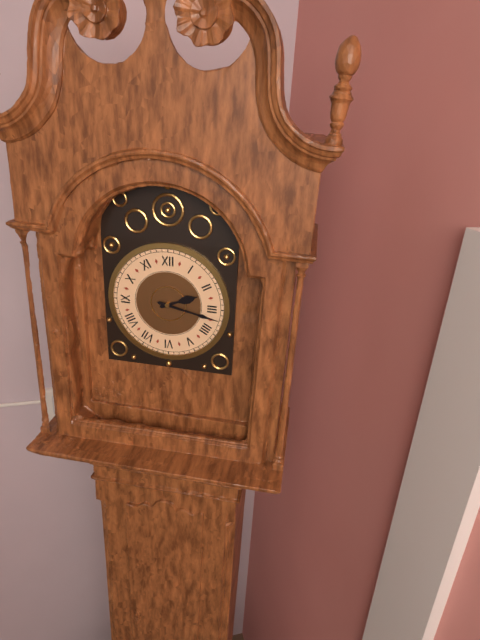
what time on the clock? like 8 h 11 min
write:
2 h 17 min
